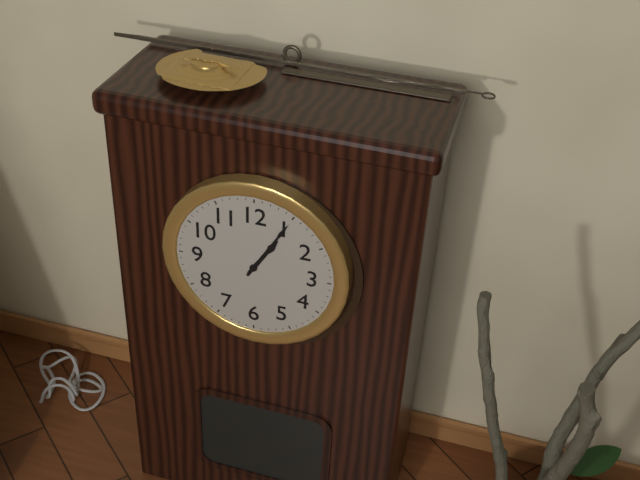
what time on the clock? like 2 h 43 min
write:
1 h 05 min
